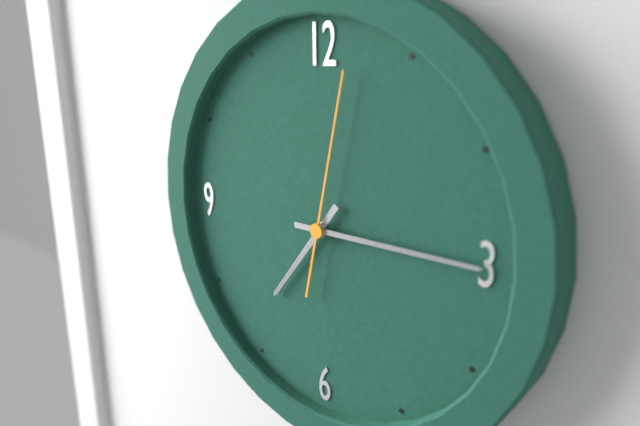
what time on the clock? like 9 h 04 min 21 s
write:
7 h 15 min 02 s
